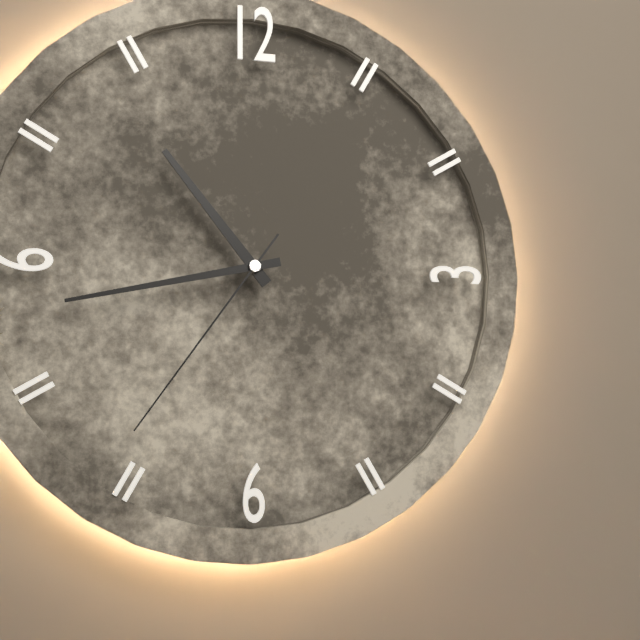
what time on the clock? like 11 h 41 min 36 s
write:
10 h 43 min 36 s
